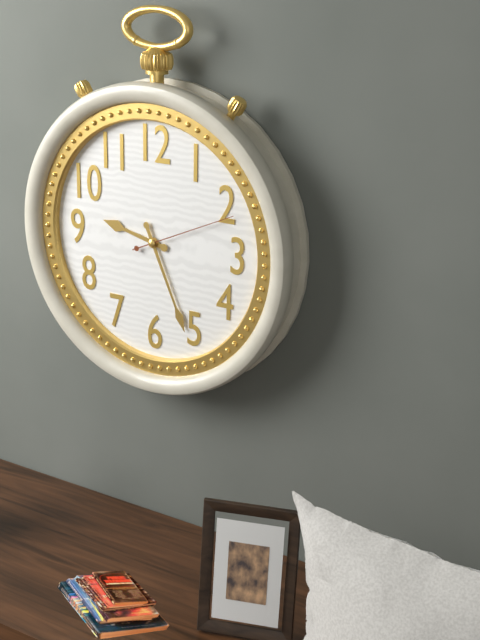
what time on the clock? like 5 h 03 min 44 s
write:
9 h 26 min 11 s
